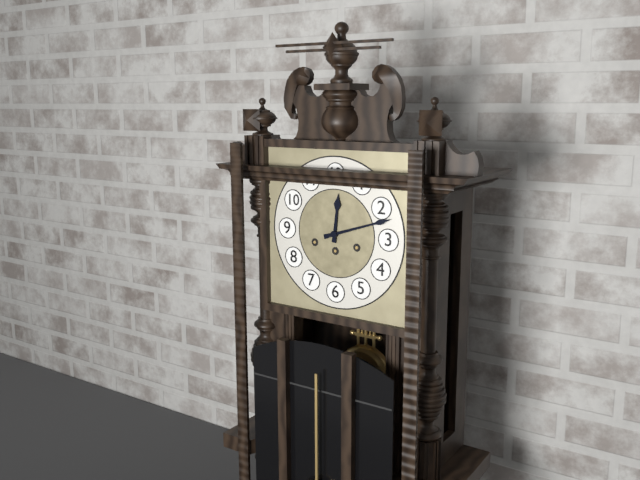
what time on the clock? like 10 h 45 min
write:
12 h 12 min
